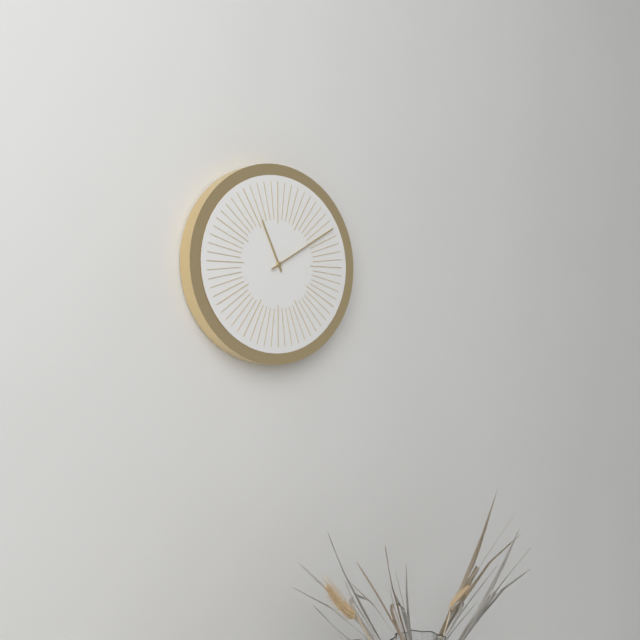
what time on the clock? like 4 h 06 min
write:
11 h 10 min
